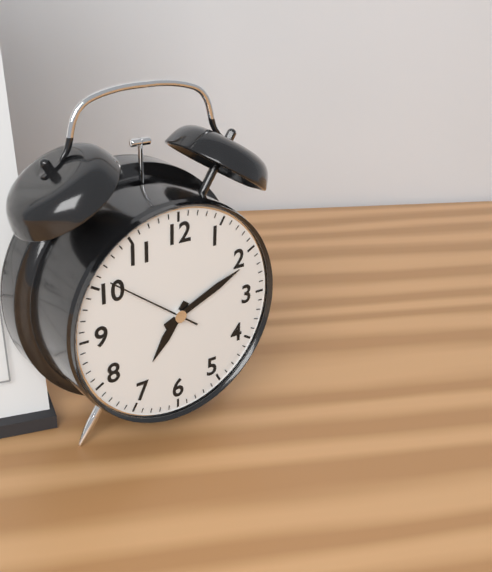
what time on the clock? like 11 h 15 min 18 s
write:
7 h 11 min 51 s
